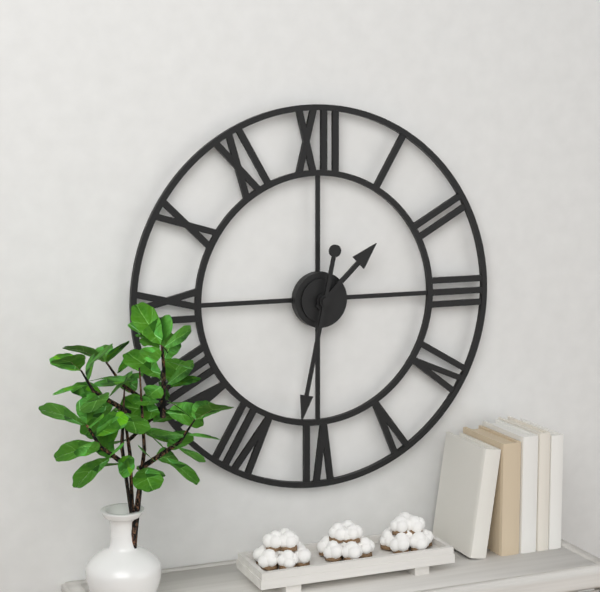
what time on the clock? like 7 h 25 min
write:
1 h 32 min
